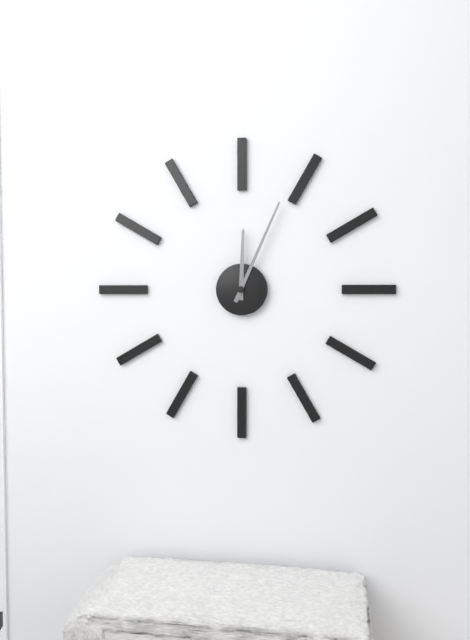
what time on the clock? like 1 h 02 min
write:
12 h 04 min
